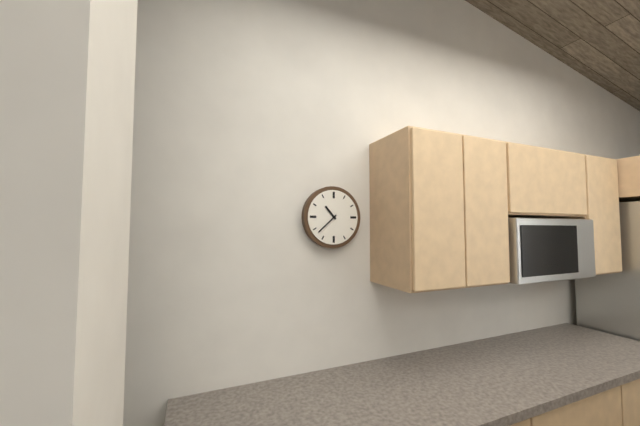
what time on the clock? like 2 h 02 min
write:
10 h 38 min
